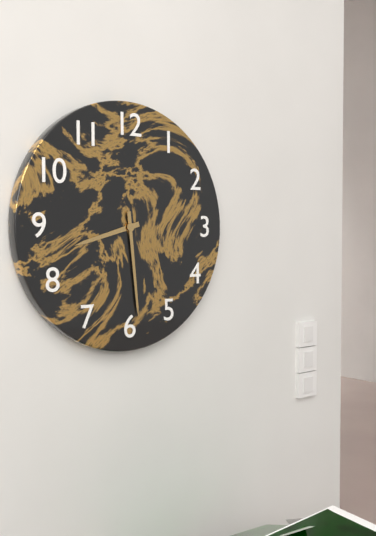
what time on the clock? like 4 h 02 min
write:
8 h 29 min
